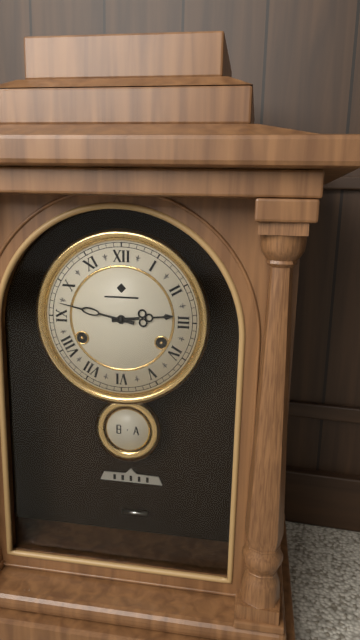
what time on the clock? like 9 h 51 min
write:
2 h 47 min
